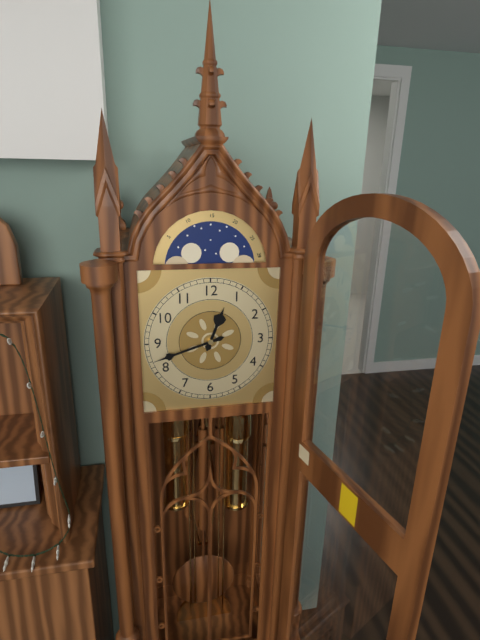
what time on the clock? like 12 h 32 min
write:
12 h 42 min
